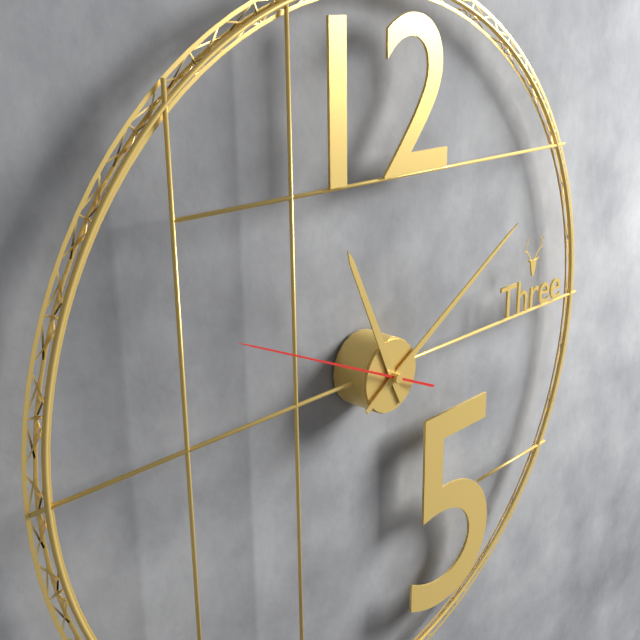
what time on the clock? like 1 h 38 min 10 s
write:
11 h 10 min 49 s
